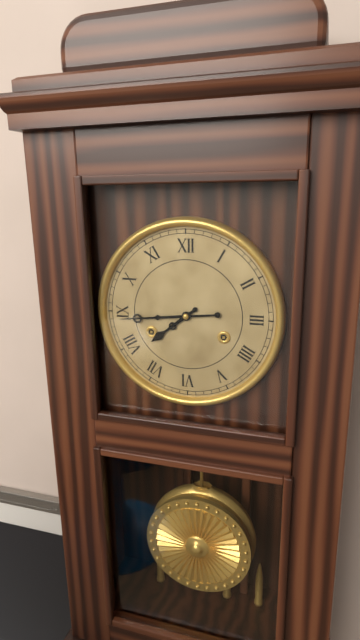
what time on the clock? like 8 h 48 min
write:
7 h 44 min
